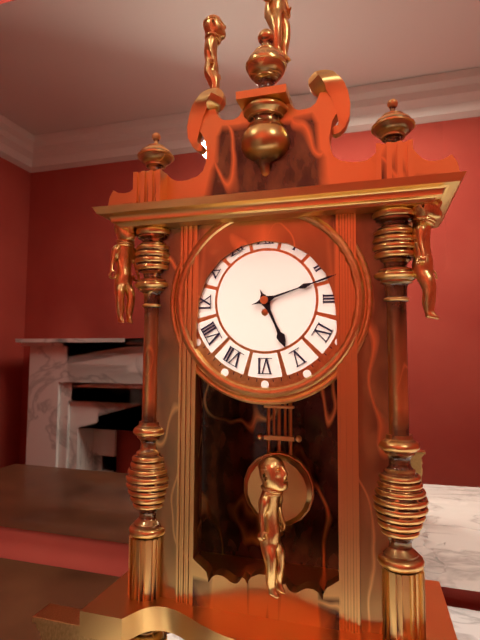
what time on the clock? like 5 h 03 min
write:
5 h 12 min
